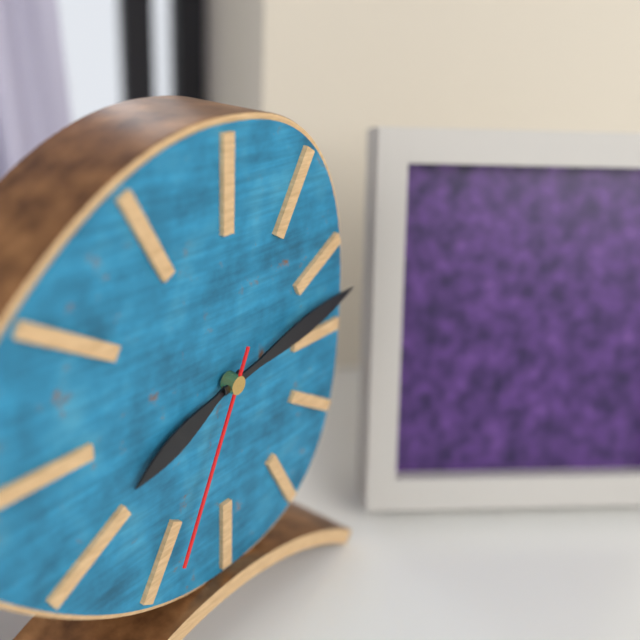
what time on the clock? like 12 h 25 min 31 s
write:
8 h 13 min 34 s
